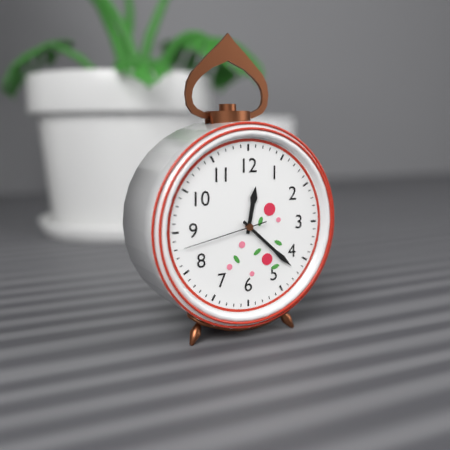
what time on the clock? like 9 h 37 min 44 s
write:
12 h 22 min 43 s
